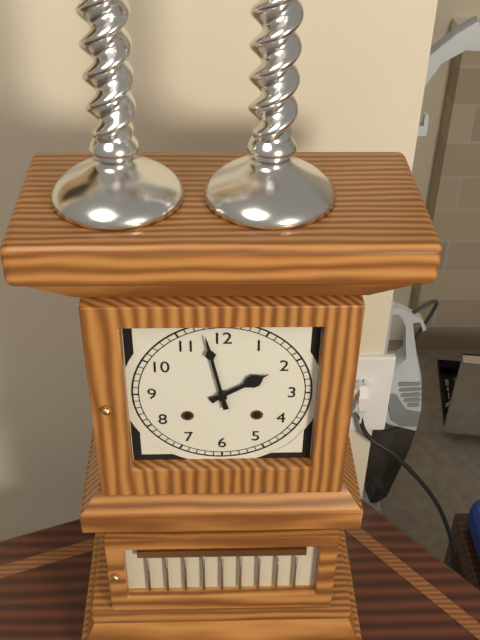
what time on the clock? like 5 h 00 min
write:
1 h 58 min
